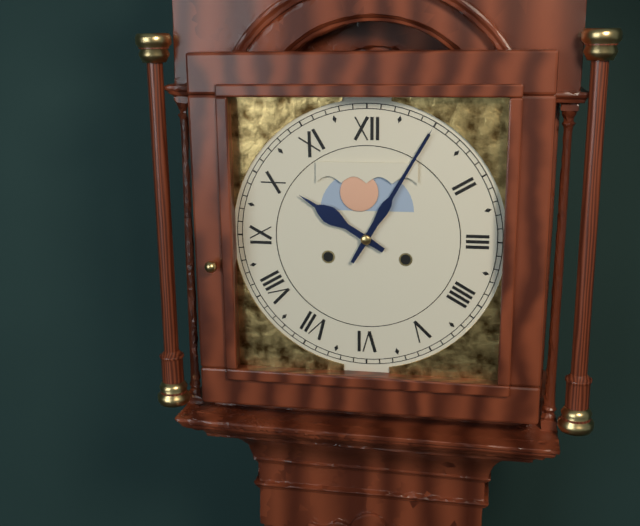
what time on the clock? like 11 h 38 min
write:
10 h 05 min
